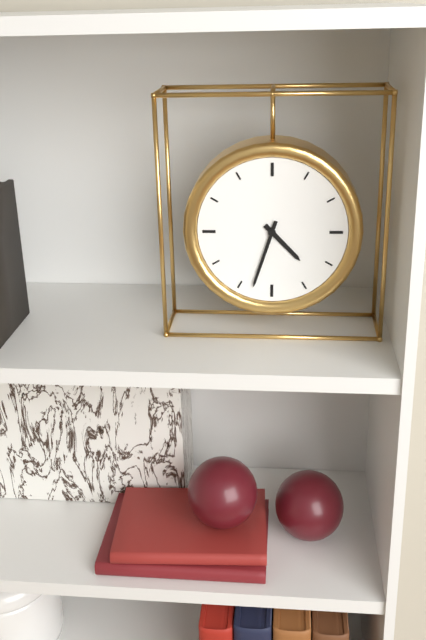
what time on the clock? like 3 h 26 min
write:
4 h 33 min
